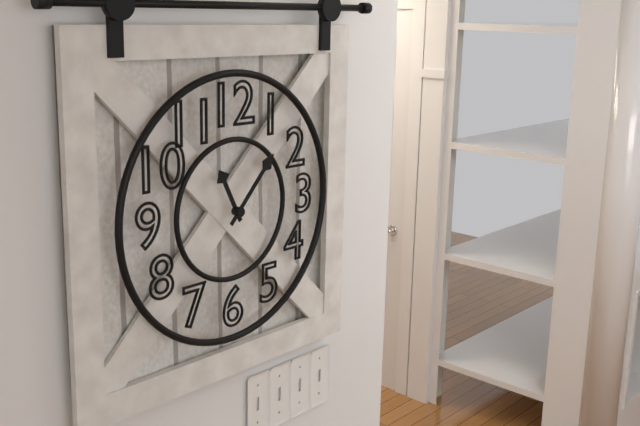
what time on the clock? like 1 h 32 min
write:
11 h 07 min
